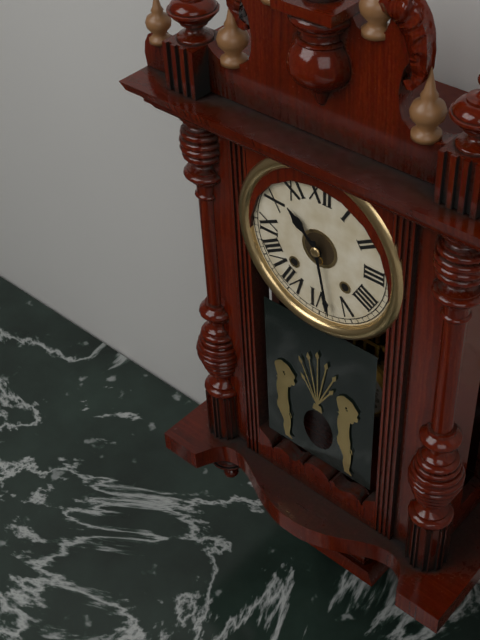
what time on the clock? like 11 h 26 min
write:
10 h 28 min
